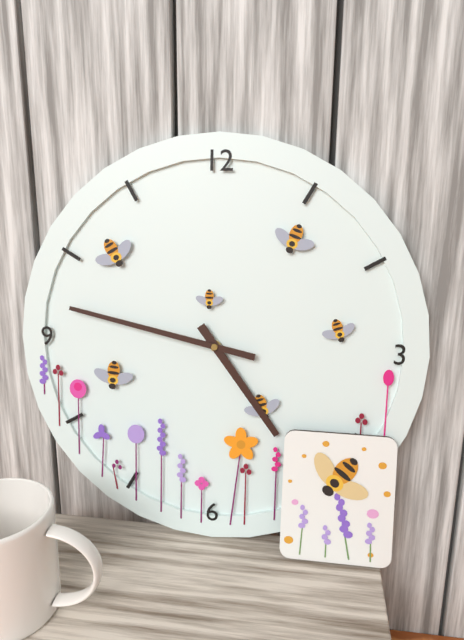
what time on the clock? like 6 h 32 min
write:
4 h 47 min
